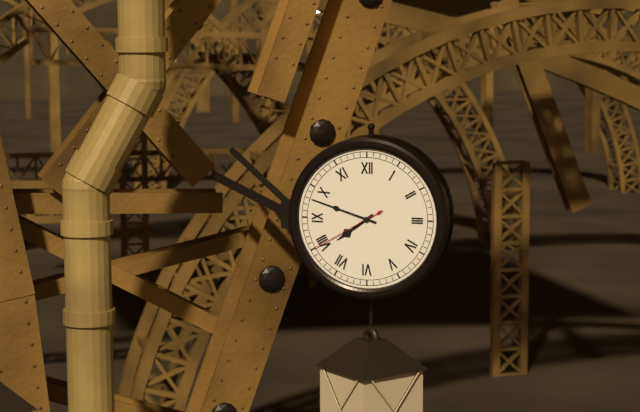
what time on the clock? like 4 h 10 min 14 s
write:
7 h 48 min 40 s
